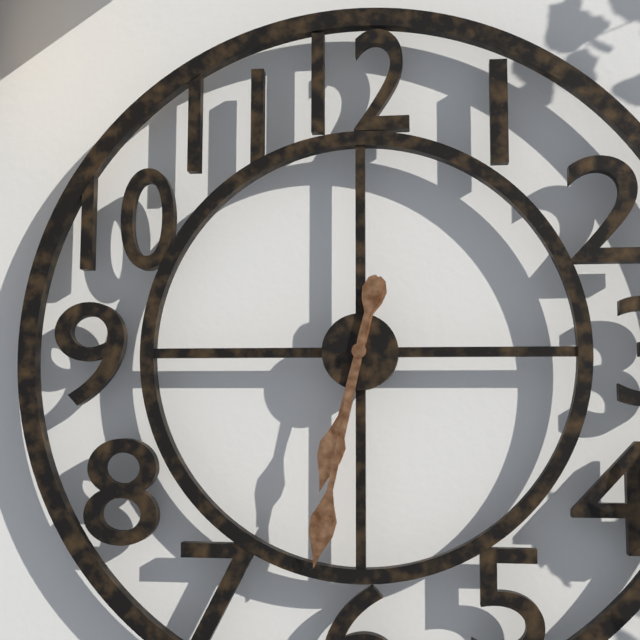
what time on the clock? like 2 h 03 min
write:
6 h 32 min
